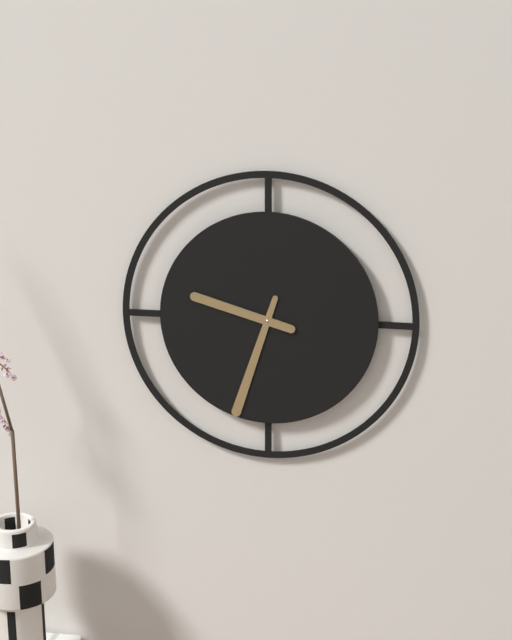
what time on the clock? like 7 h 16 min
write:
9 h 33 min
